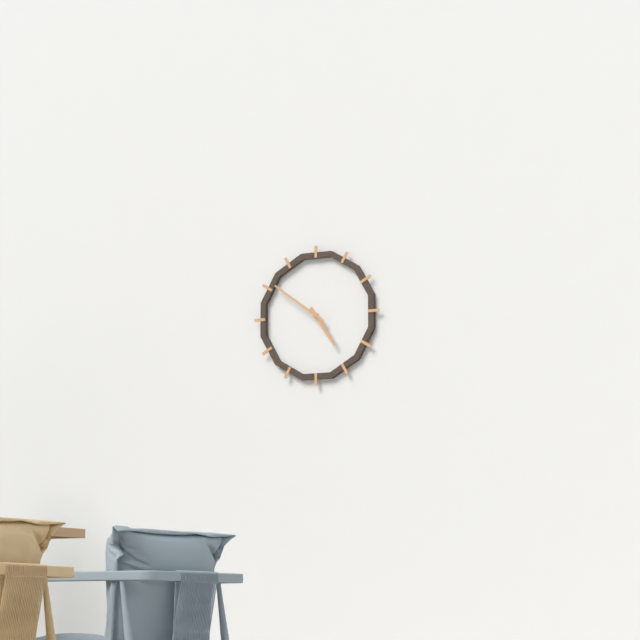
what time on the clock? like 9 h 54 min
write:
4 h 51 min
